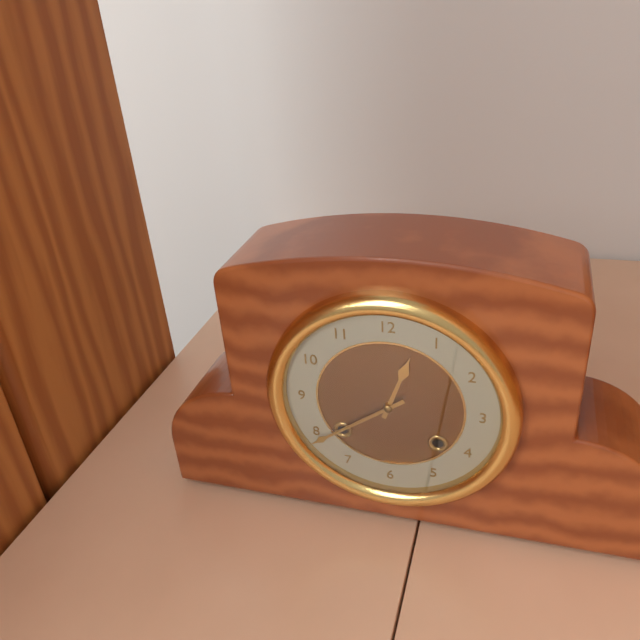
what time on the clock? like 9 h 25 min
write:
12 h 39 min
